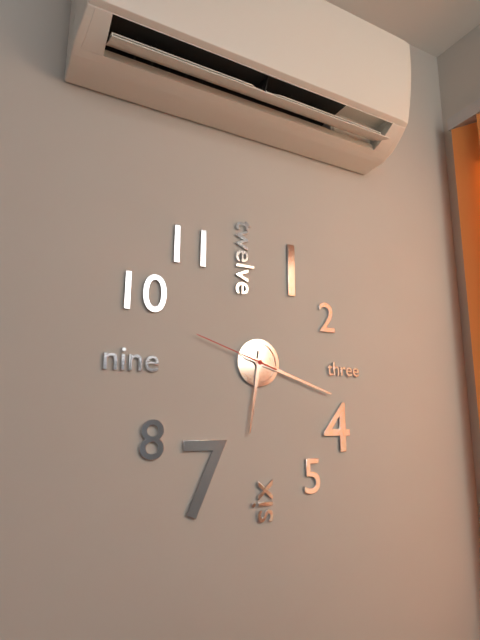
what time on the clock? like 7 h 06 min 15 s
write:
6 h 18 min 48 s
